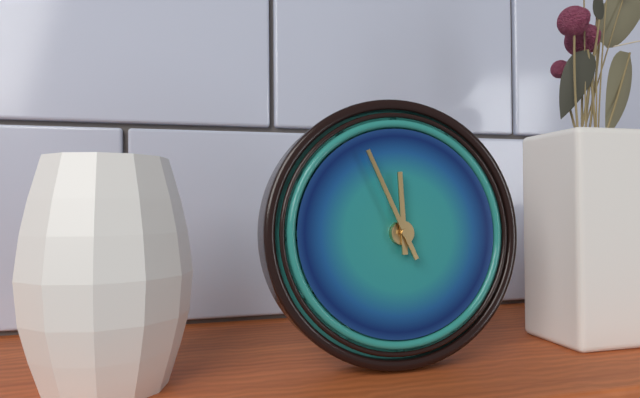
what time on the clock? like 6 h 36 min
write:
11 h 56 min
